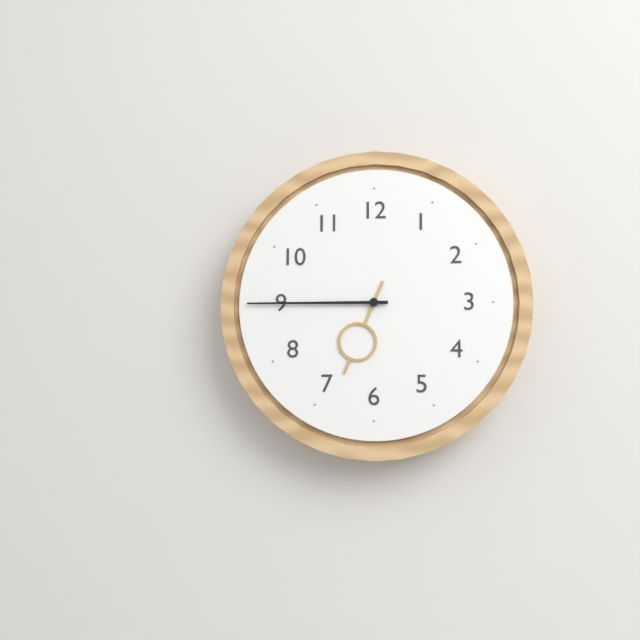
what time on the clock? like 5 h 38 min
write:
6 h 45 min
